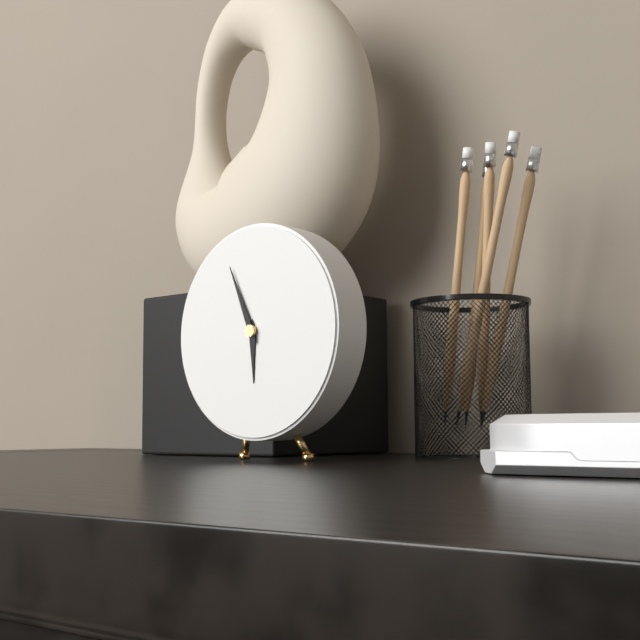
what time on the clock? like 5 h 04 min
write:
5 h 56 min
